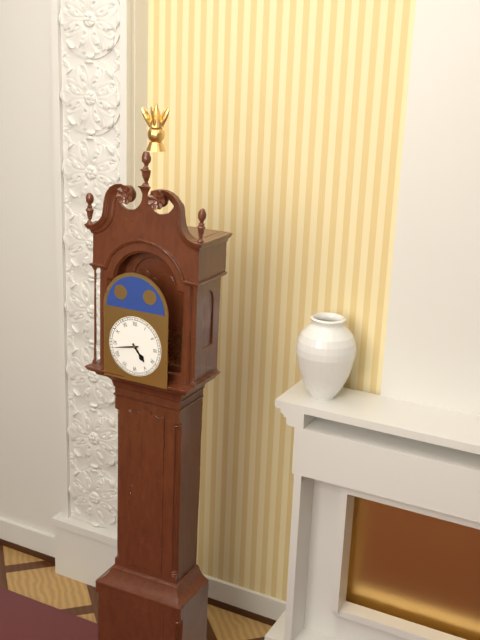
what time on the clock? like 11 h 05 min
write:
4 h 43 min
